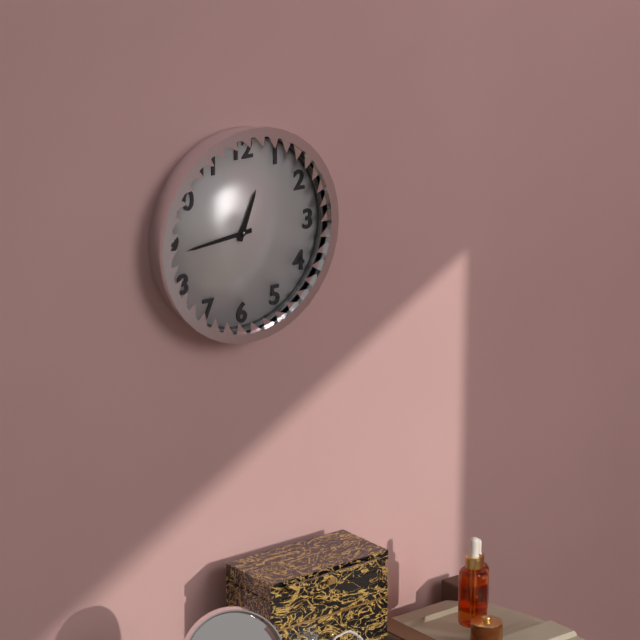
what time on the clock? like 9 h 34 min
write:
12 h 44 min
